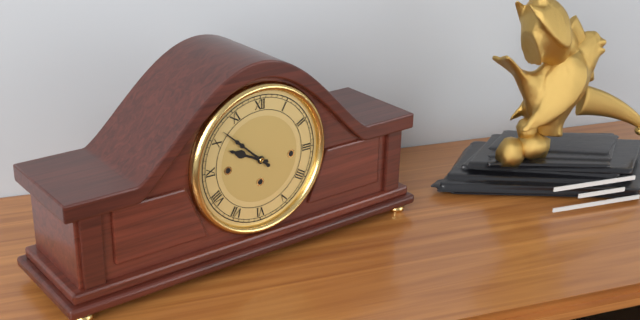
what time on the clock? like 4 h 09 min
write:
9 h 52 min
